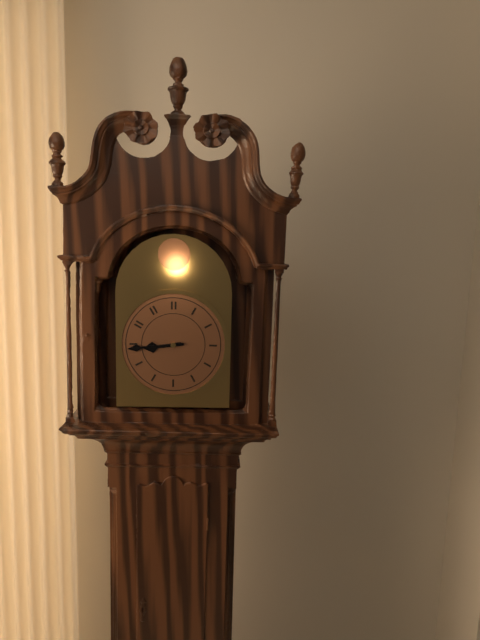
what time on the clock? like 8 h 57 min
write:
8 h 44 min
